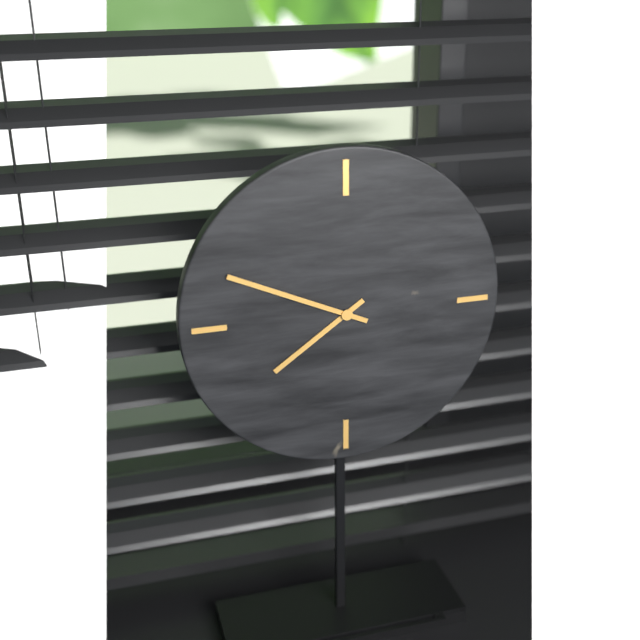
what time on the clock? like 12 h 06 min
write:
7 h 49 min
